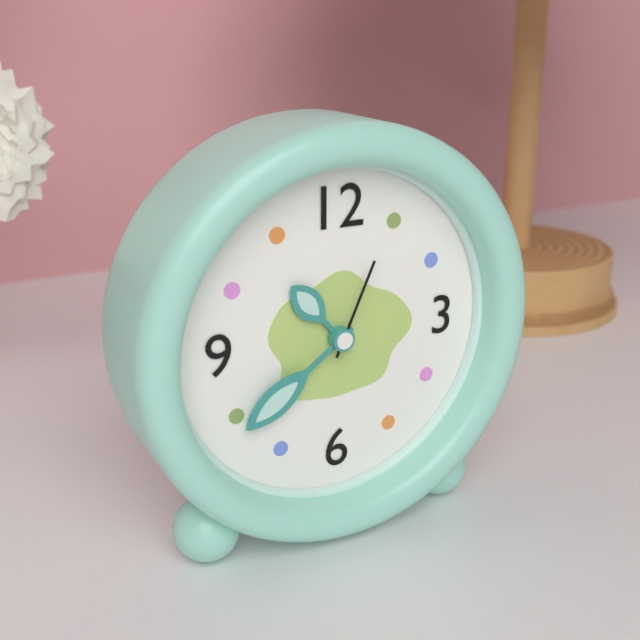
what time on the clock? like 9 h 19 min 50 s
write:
10 h 39 min 04 s
